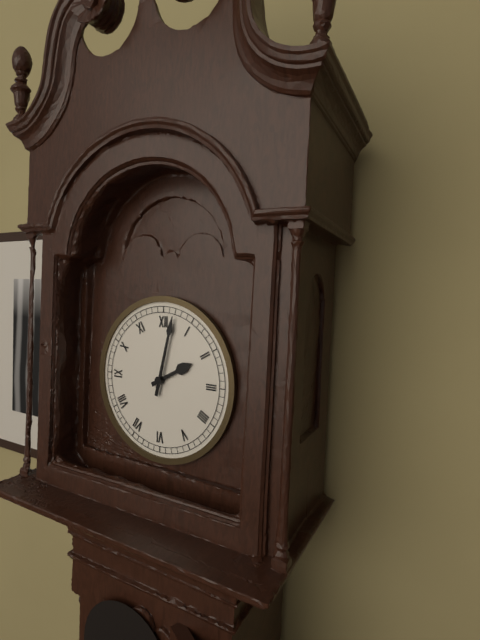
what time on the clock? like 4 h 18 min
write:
2 h 02 min
